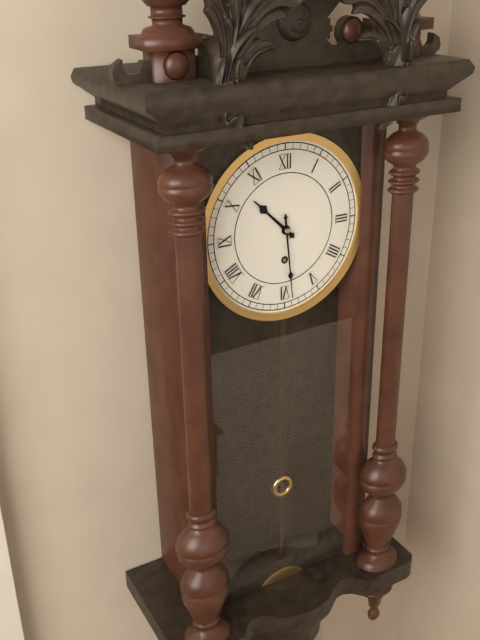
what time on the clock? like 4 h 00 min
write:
10 h 29 min
